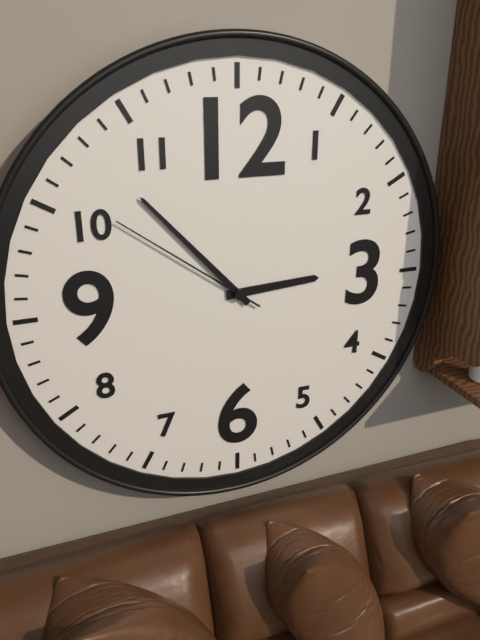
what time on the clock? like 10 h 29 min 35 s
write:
2 h 53 min 51 s
